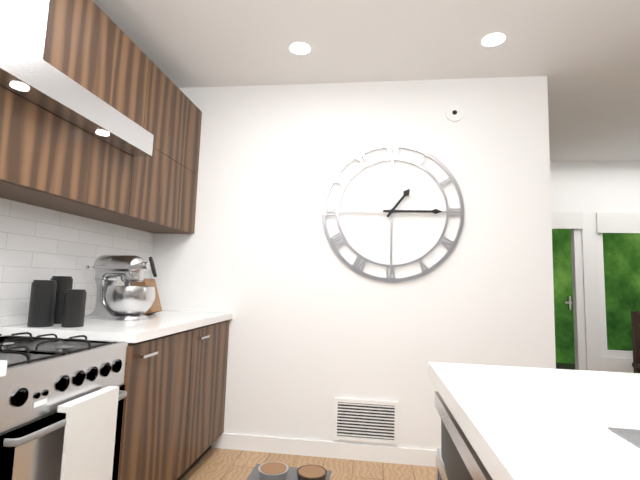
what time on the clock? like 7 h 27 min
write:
1 h 15 min
